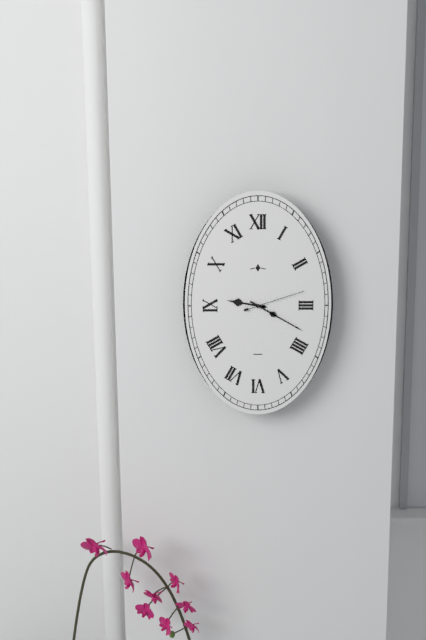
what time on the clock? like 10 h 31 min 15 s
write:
9 h 20 min 12 s
